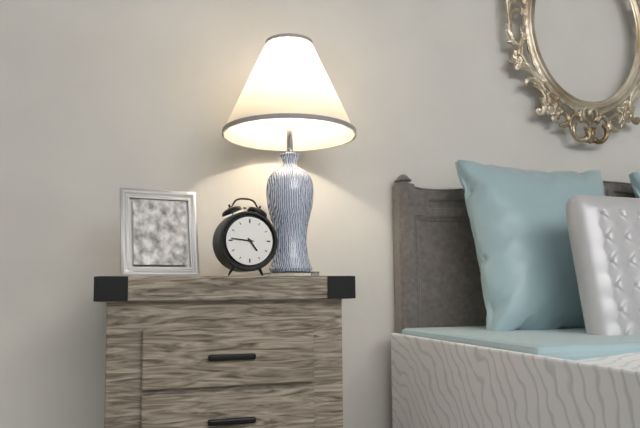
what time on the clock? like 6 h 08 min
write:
4 h 46 min
